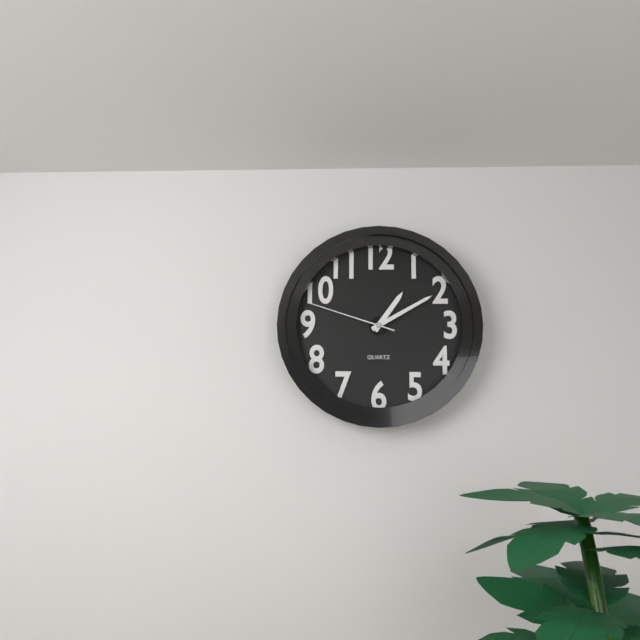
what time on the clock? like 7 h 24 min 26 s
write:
1 h 10 min 48 s
